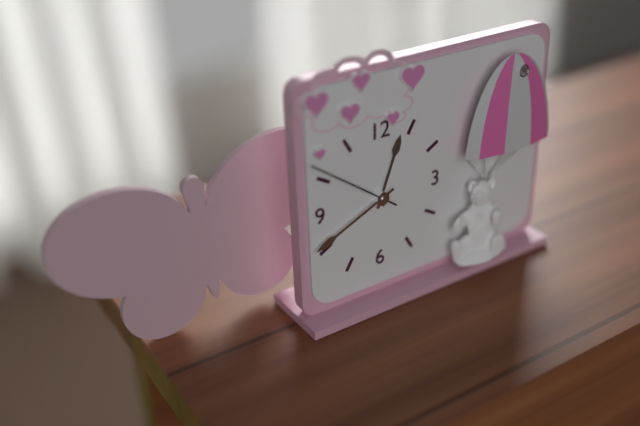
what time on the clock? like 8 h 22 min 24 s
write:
12 h 41 min 51 s
